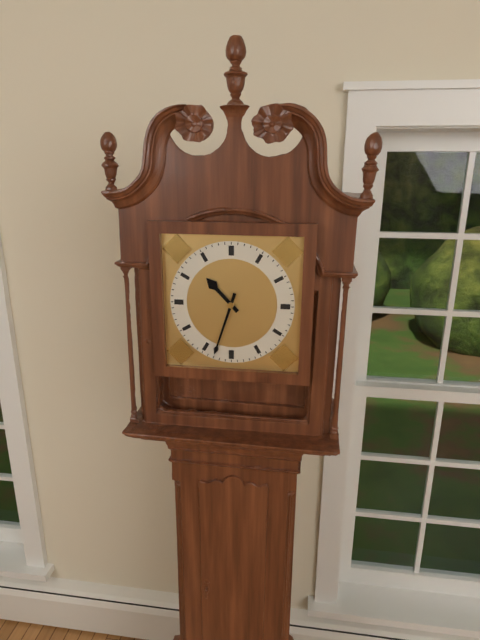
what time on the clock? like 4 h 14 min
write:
10 h 33 min
